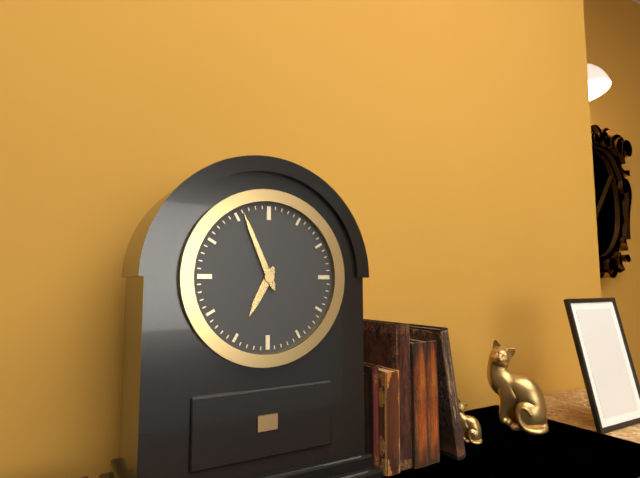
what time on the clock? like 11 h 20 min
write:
6 h 56 min
